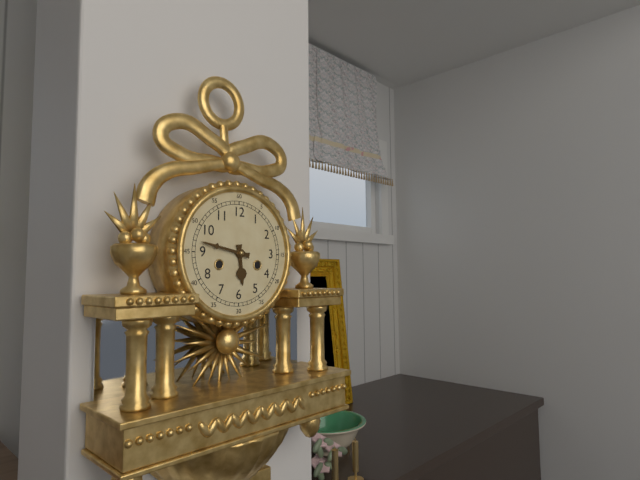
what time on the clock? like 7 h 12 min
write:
5 h 47 min
